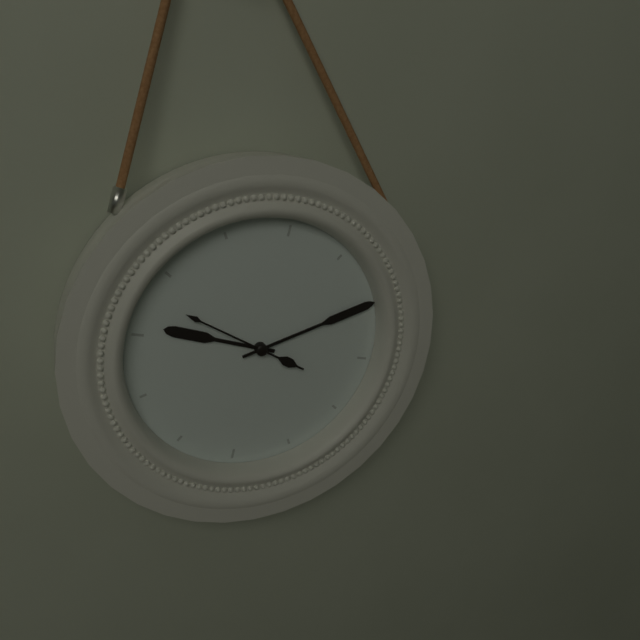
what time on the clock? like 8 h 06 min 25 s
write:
9 h 10 min 48 s
